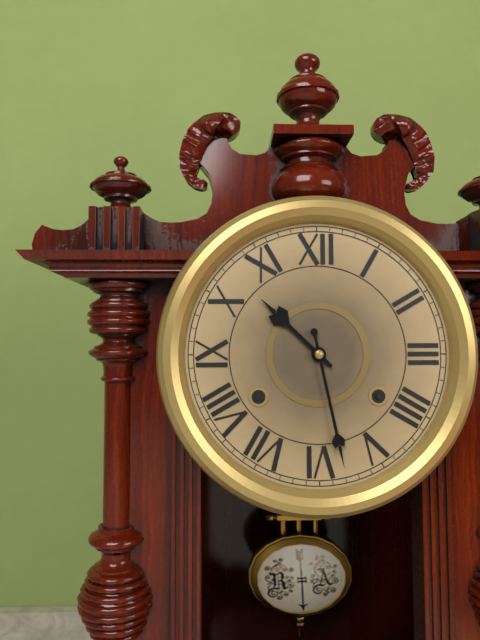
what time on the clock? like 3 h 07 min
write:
10 h 28 min
